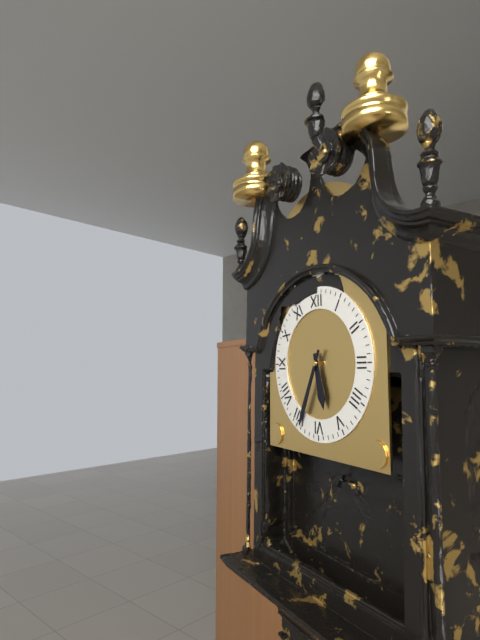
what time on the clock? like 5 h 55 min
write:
5 h 34 min
